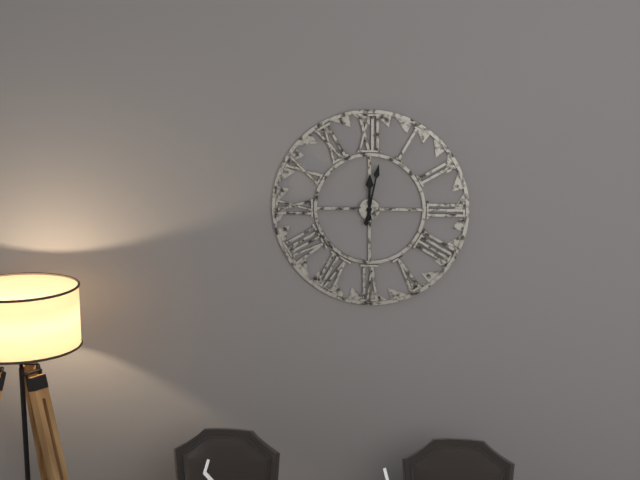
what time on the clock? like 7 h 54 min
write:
12 h 02 min
